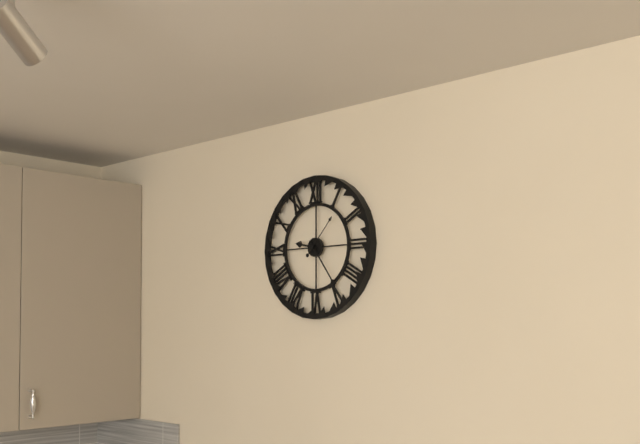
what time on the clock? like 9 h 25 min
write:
9 h 24 min
